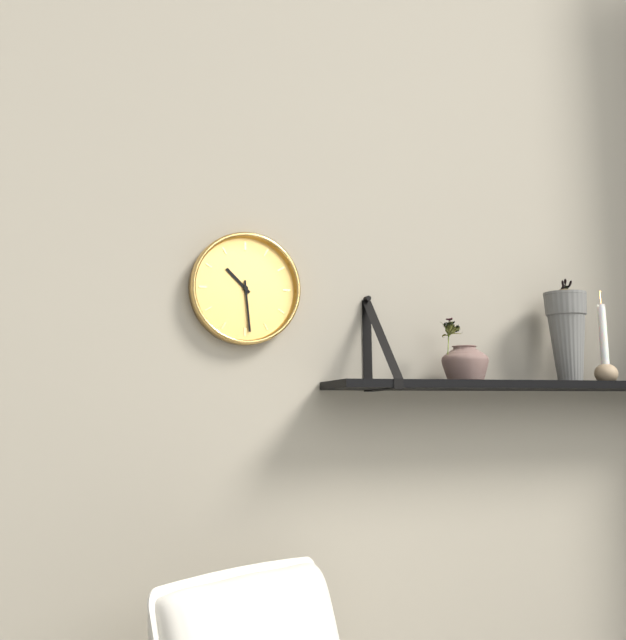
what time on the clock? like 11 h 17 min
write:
10 h 29 min
